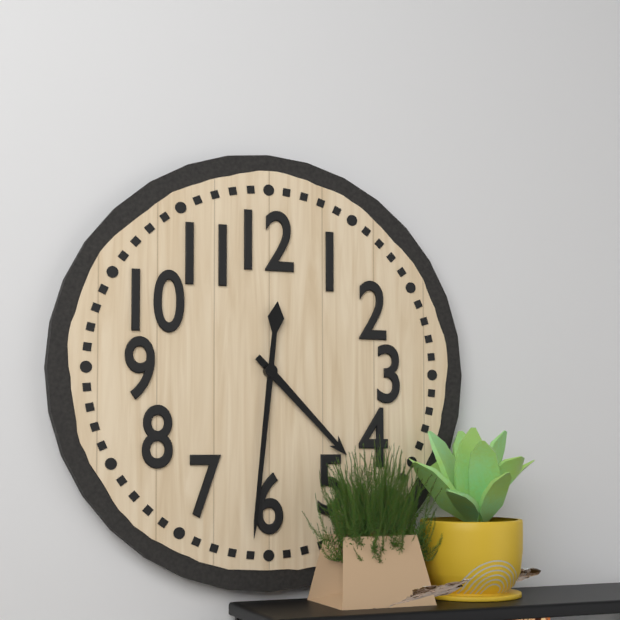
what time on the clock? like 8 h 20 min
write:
4 h 31 min
